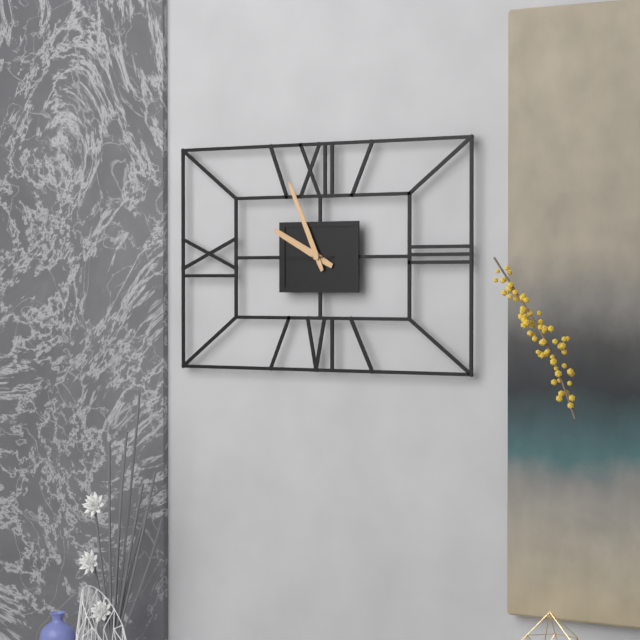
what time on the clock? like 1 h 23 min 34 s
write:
9 h 56 min 45 s
